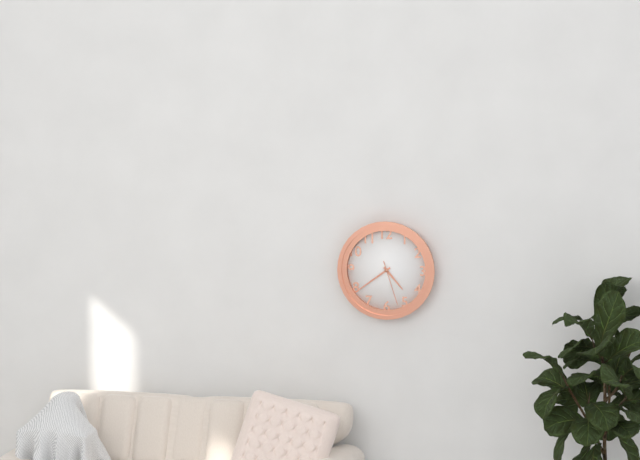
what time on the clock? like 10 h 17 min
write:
4 h 39 min
